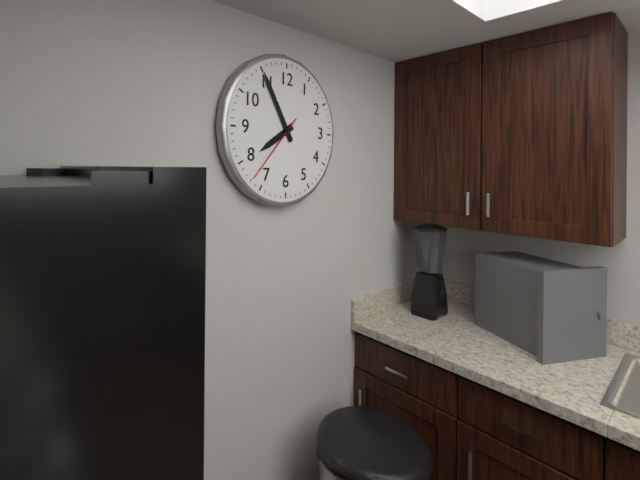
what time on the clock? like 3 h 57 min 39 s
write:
7 h 55 min 37 s
